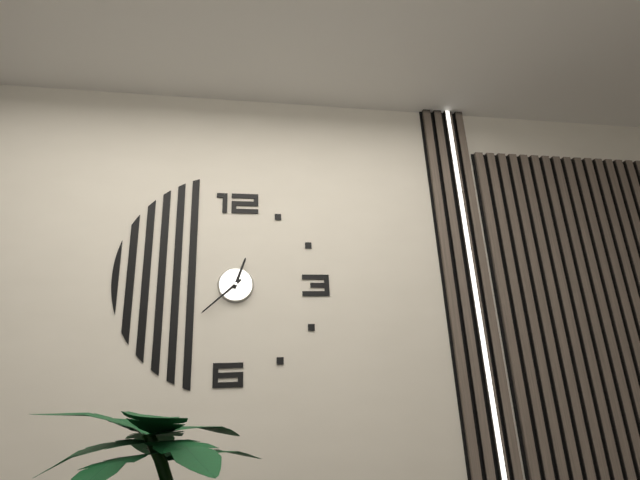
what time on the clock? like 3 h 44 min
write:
12 h 38 min
